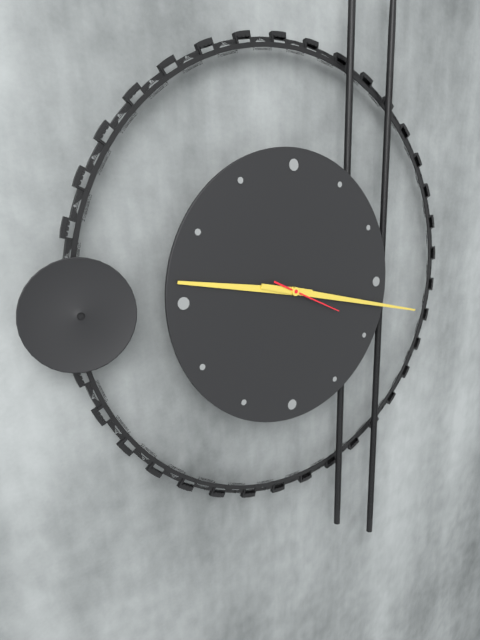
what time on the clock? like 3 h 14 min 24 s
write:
9 h 17 min 19 s
